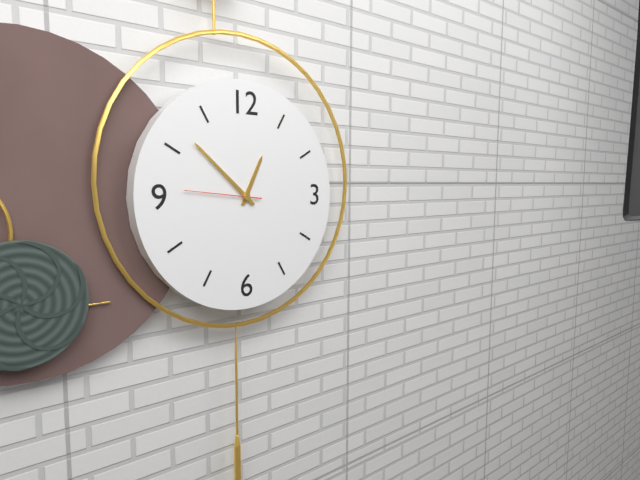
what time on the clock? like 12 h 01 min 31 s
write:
12 h 52 min 46 s
